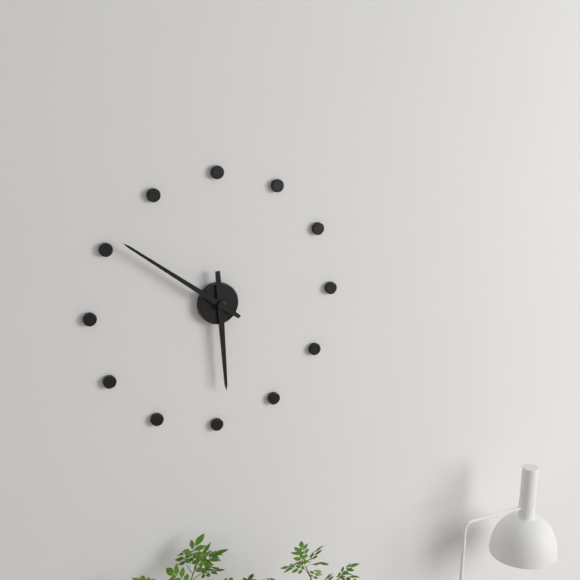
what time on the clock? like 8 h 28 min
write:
5 h 51 min
